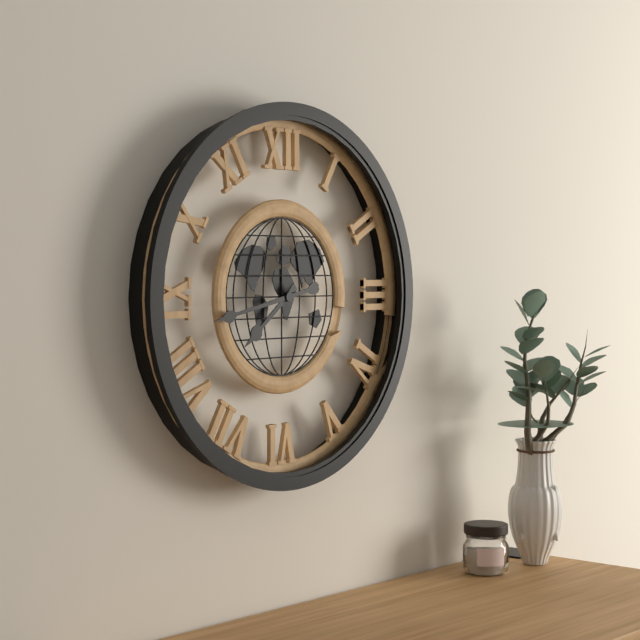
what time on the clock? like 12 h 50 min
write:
7 h 43 min
